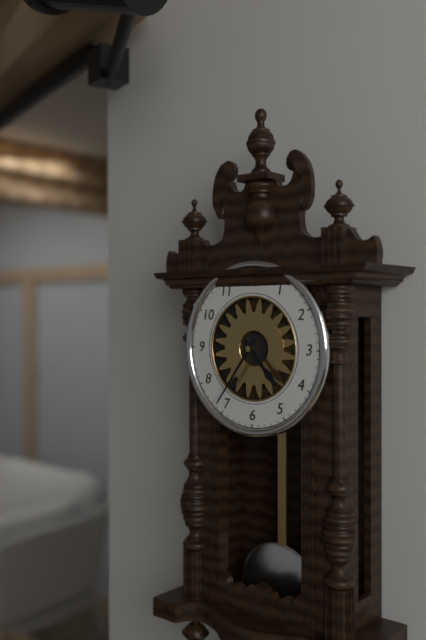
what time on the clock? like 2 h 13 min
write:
4 h 36 min
